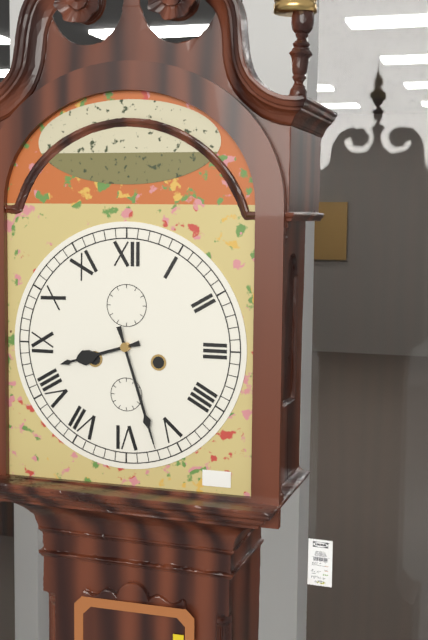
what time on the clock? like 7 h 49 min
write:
8 h 27 min
